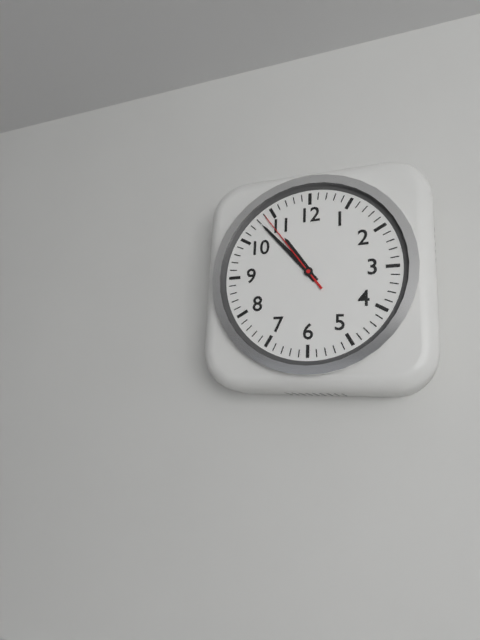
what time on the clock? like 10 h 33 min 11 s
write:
10 h 53 min 54 s
